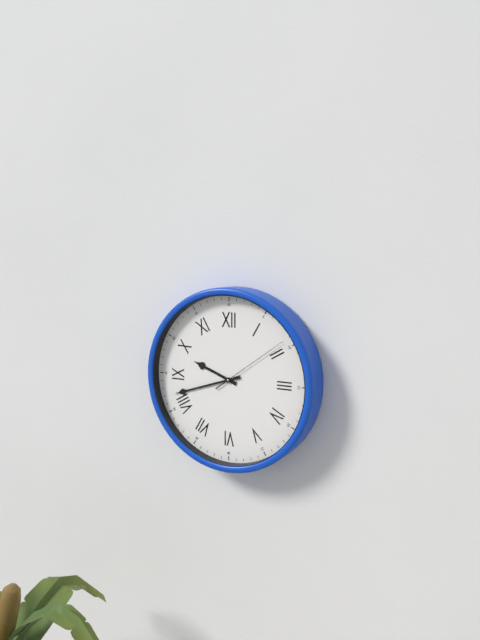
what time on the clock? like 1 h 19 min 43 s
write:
9 h 42 min 09 s
